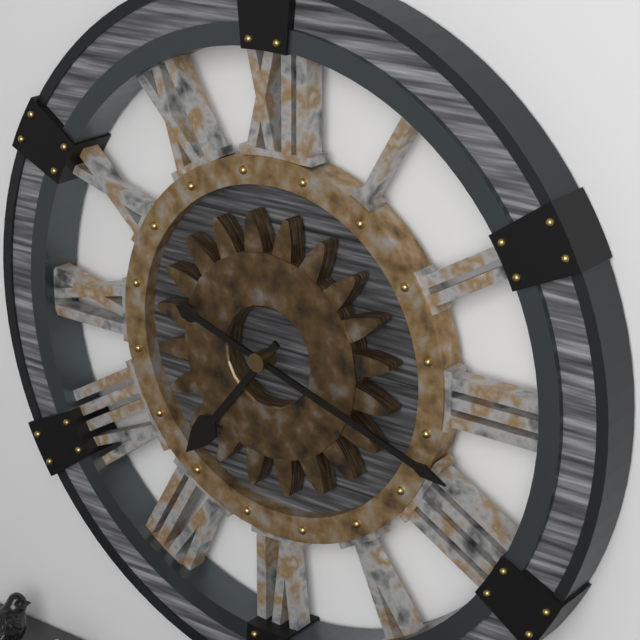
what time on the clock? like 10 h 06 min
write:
7 h 18 min
